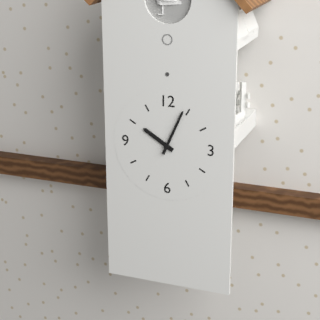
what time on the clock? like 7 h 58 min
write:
10 h 04 min
